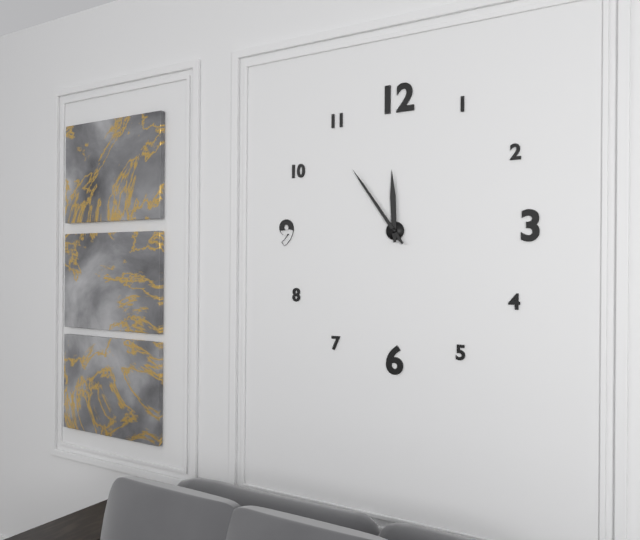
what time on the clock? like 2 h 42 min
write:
11 h 54 min
